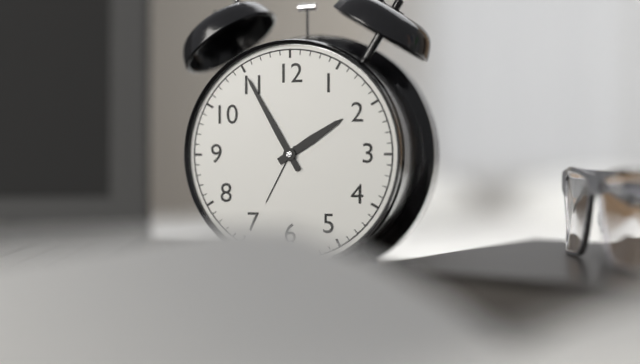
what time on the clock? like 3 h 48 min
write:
1 h 55 min
